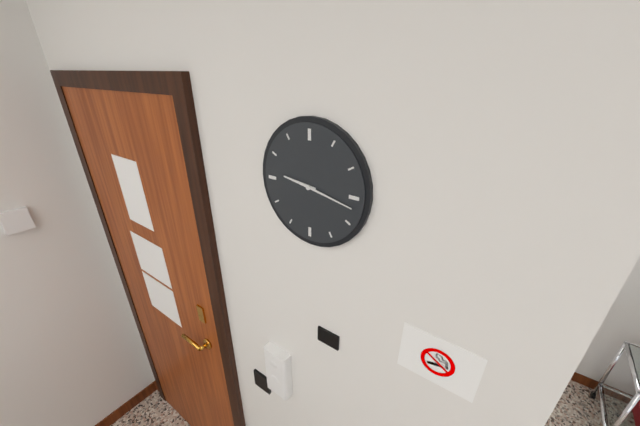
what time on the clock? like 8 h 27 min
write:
9 h 17 min
